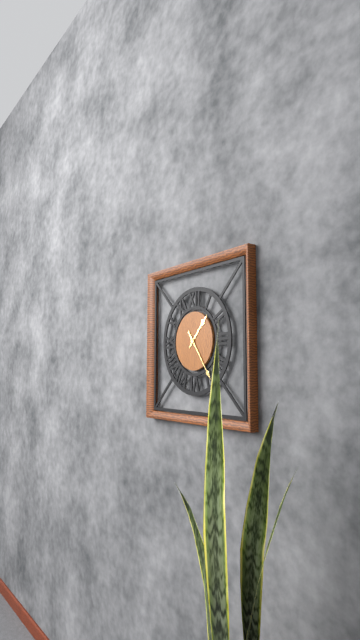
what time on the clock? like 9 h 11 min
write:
1 h 24 min
